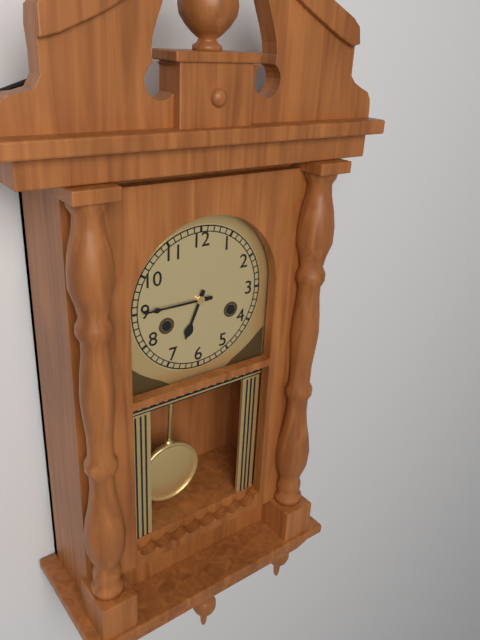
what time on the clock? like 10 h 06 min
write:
6 h 45 min
